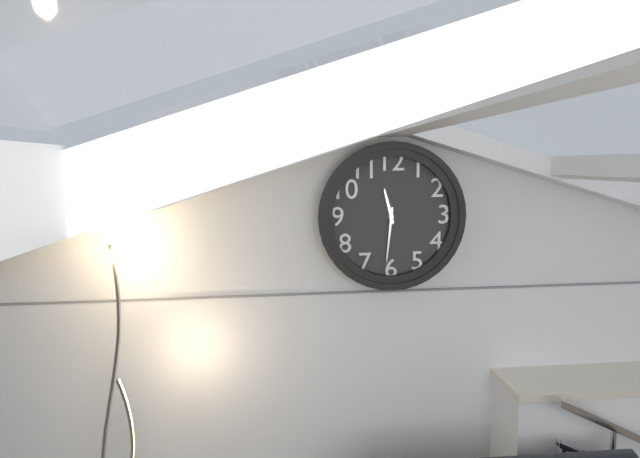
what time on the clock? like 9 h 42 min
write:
11 h 31 min
